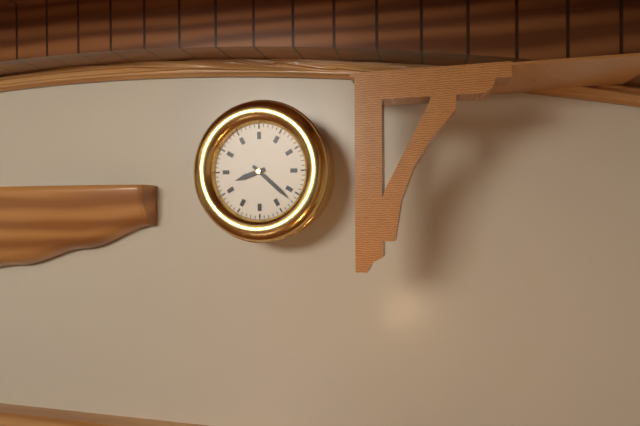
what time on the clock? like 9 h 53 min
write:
8 h 22 min
